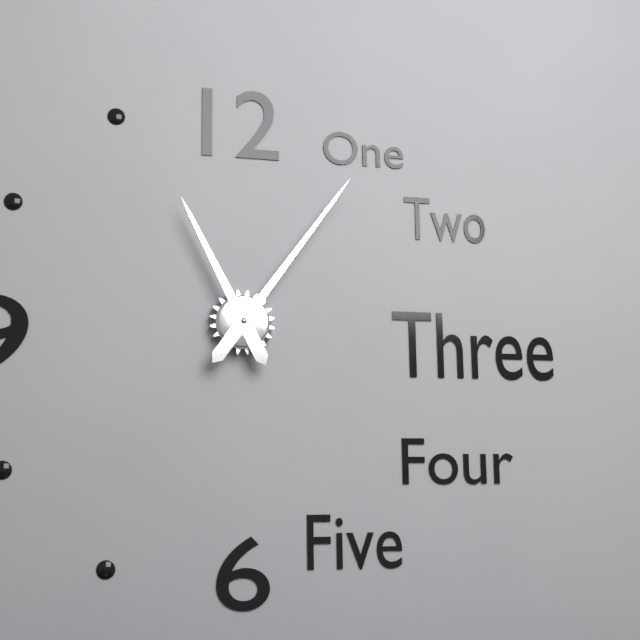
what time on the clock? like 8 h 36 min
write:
11 h 06 min
